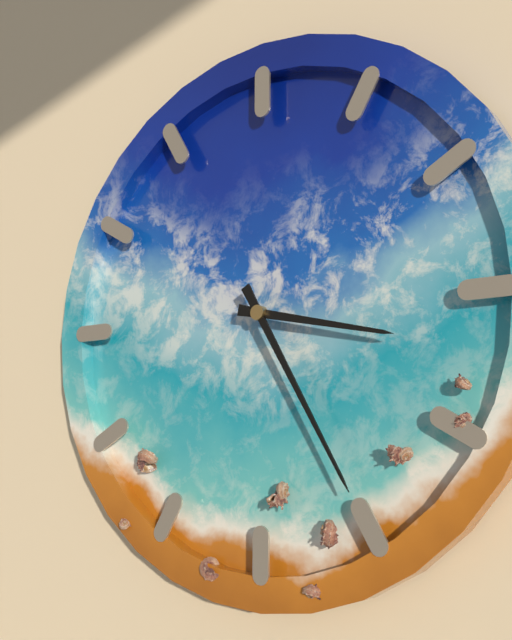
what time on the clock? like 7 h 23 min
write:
3 h 25 min
